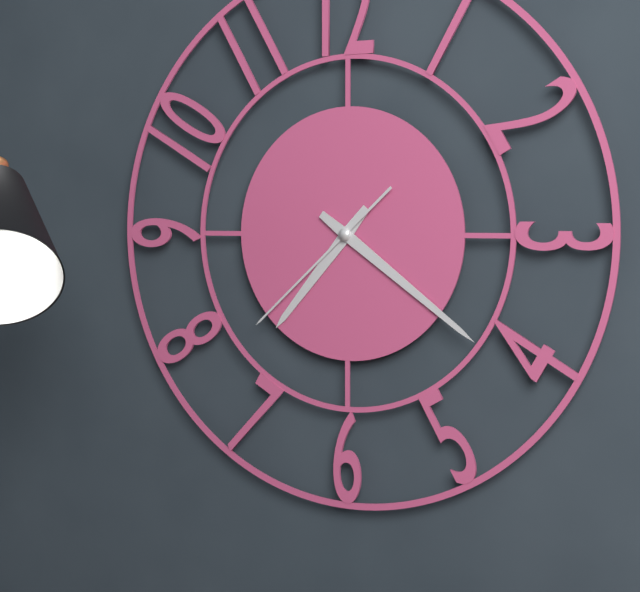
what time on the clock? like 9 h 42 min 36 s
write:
7 h 21 min 38 s
